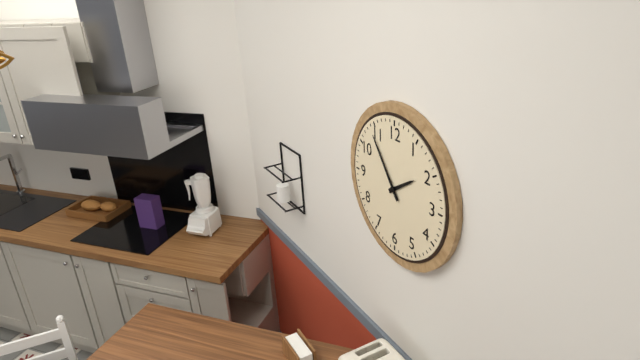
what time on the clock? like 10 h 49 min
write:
1 h 54 min
